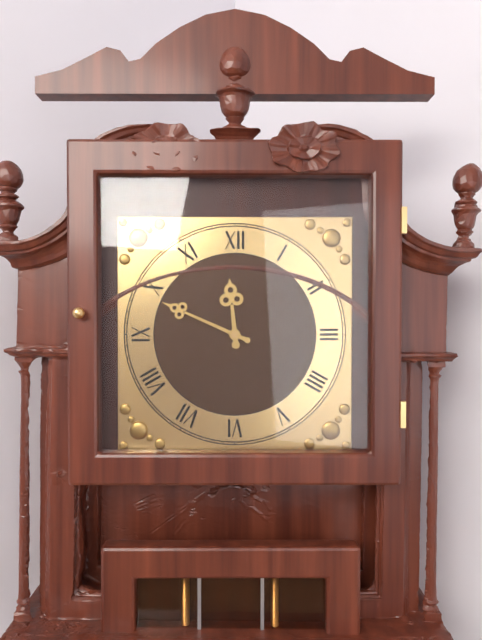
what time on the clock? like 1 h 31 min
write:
11 h 49 min
